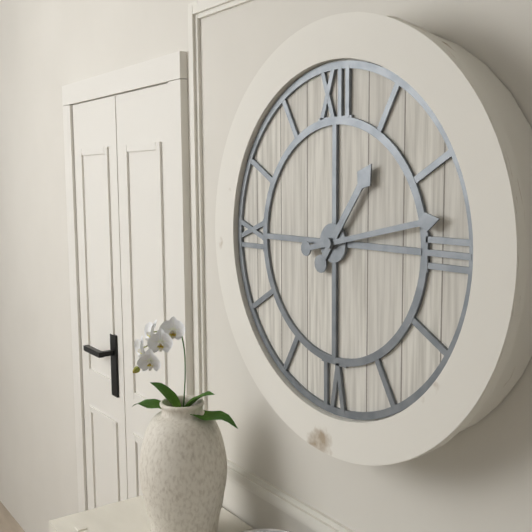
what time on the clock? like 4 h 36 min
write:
1 h 13 min
